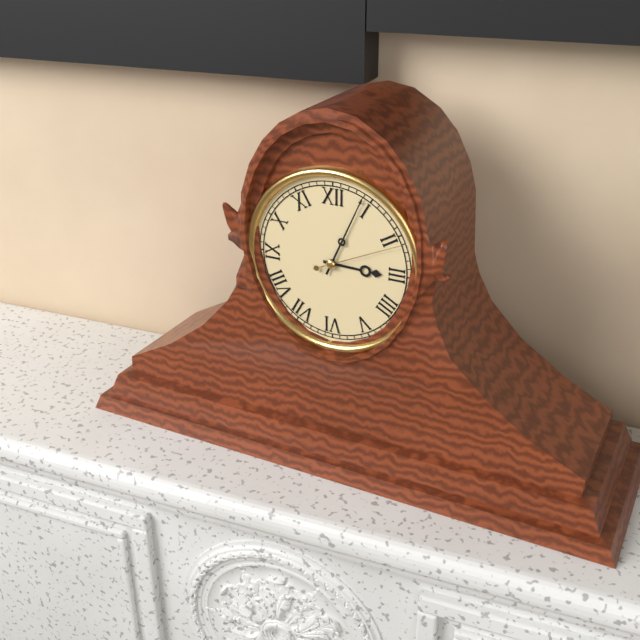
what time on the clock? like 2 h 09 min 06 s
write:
3 h 04 min 11 s
